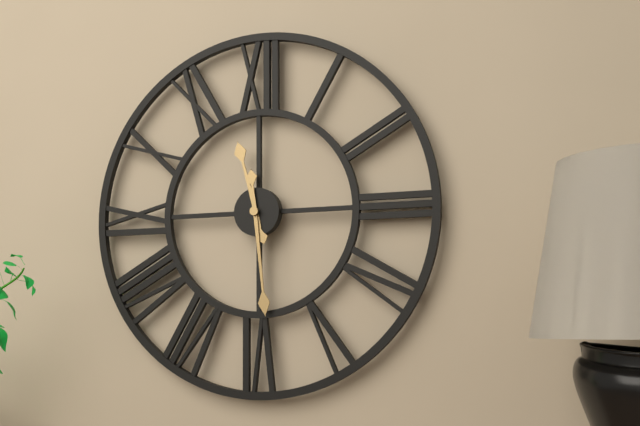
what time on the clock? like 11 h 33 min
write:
11 h 29 min
